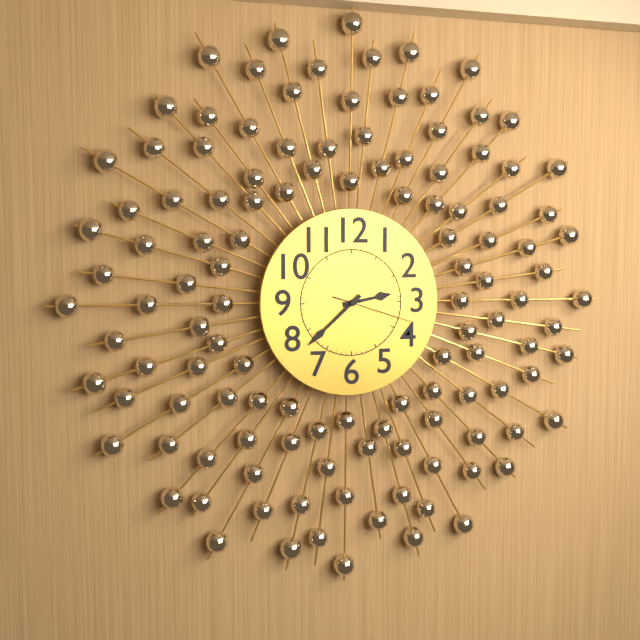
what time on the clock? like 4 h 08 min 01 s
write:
2 h 38 min 18 s
